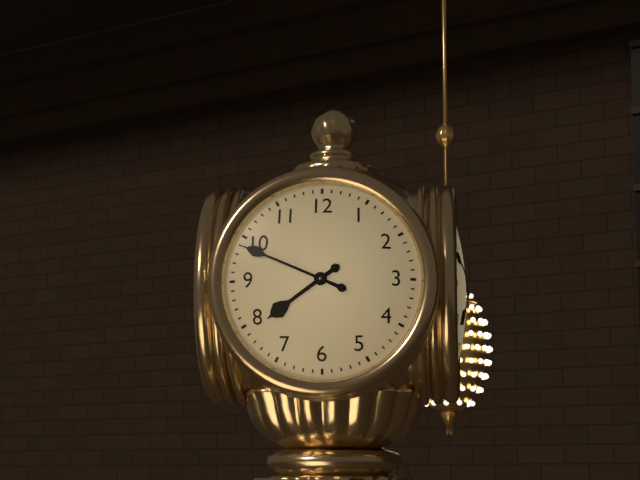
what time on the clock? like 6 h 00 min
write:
7 h 49 min
